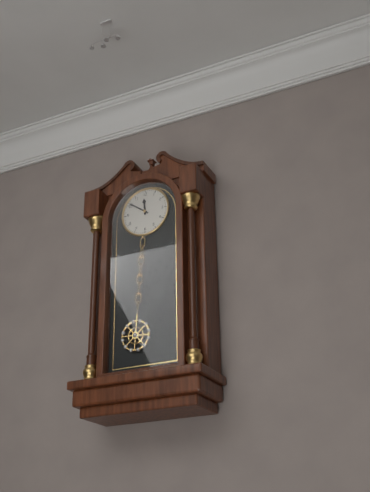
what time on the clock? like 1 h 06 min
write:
11 h 51 min
